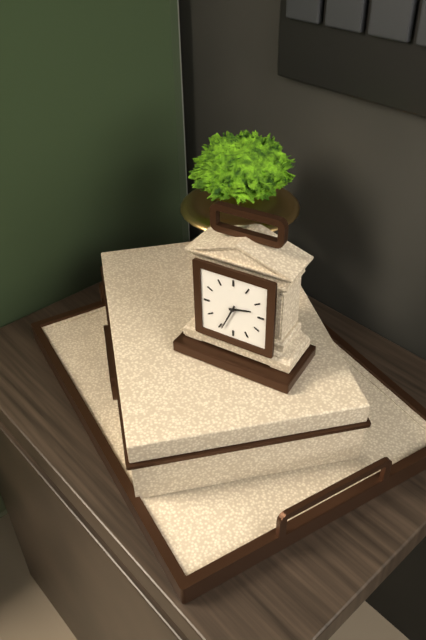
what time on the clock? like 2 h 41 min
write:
2 h 34 min
